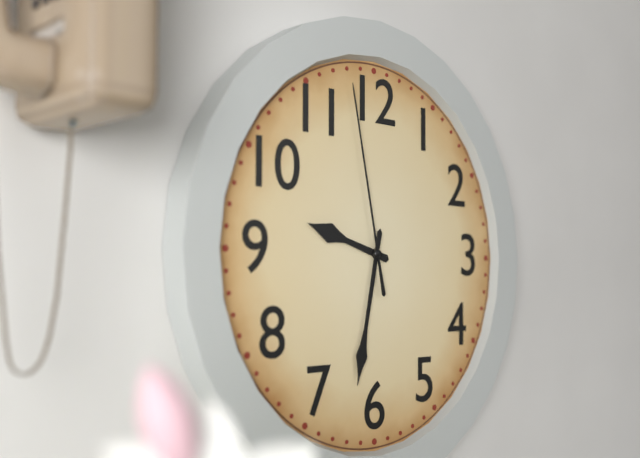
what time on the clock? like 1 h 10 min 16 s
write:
9 h 32 min 58 s
